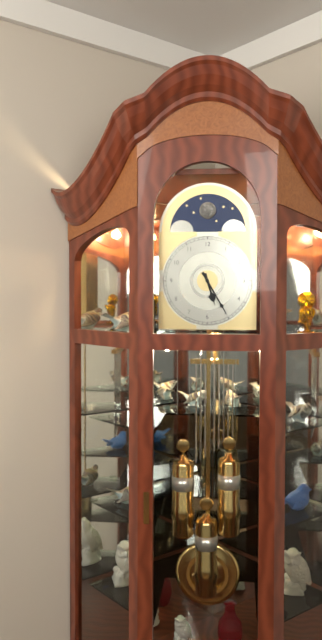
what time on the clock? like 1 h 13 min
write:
5 h 25 min
